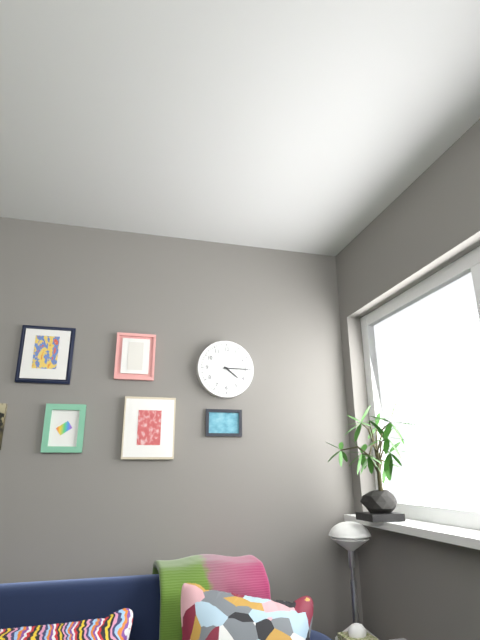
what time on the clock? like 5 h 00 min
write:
4 h 15 min
